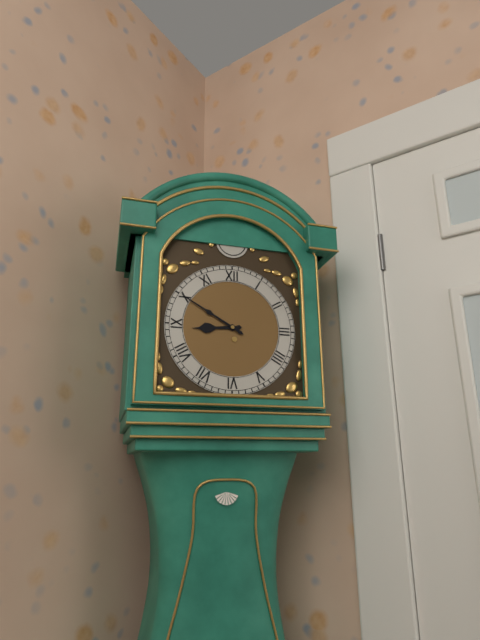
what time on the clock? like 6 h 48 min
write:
8 h 50 min
